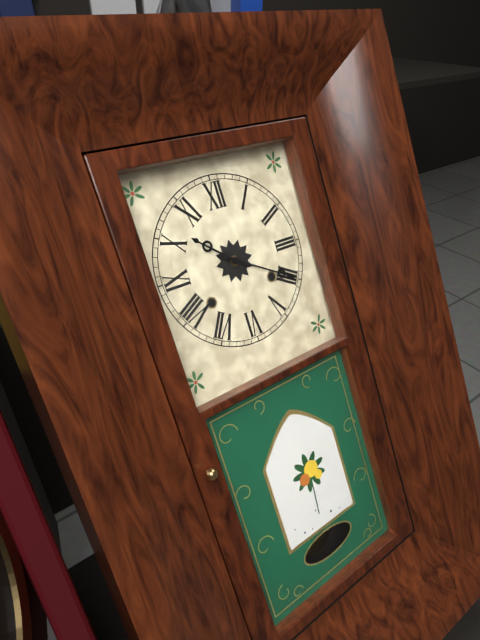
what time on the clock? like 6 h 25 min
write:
10 h 20 min
